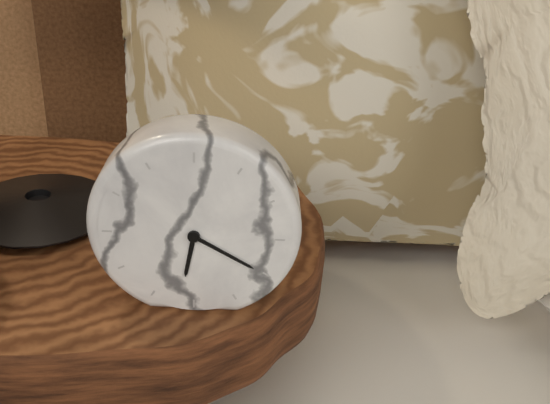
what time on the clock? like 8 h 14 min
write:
6 h 20 min
